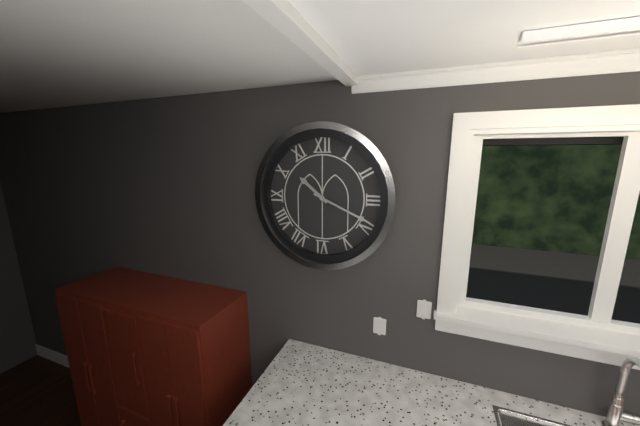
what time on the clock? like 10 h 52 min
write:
10 h 19 min
